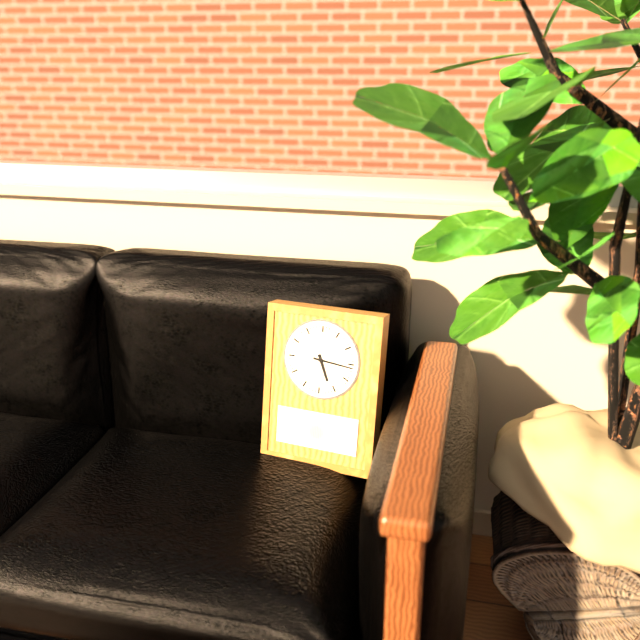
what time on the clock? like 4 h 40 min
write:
5 h 16 min
